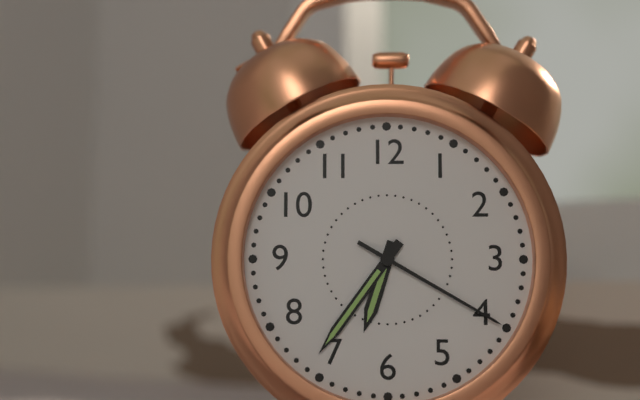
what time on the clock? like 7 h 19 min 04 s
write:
6 h 36 min 20 s
